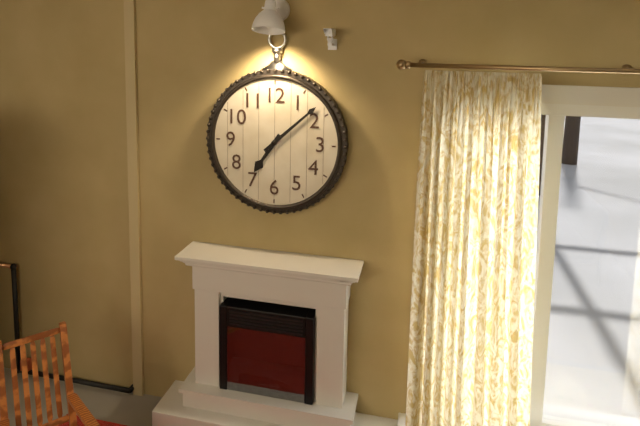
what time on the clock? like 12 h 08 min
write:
7 h 08 min
